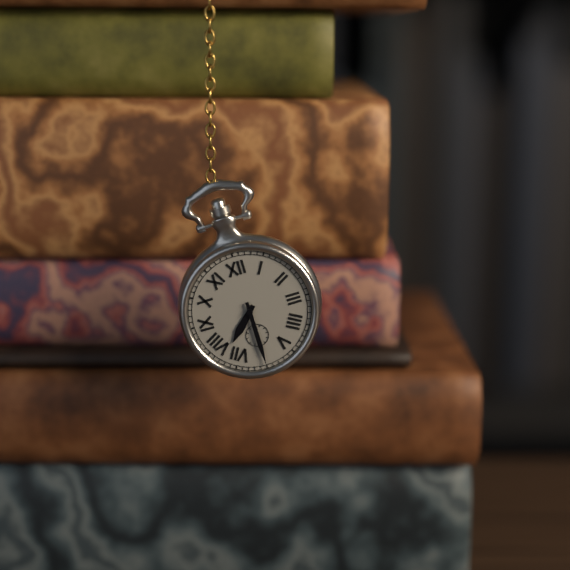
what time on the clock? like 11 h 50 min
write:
7 h 30 min
